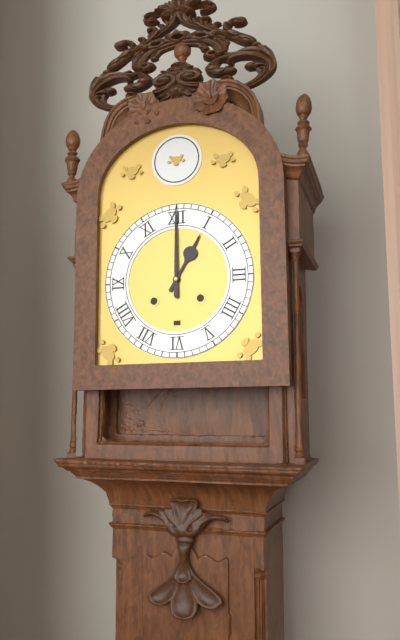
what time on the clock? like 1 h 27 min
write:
1 h 00 min
